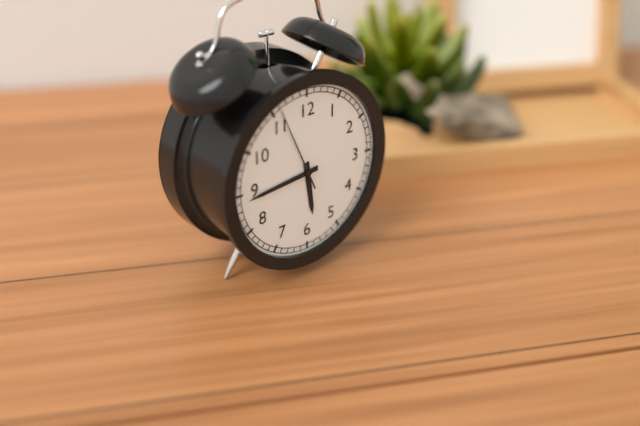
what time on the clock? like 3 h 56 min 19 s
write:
5 h 44 min 56 s
